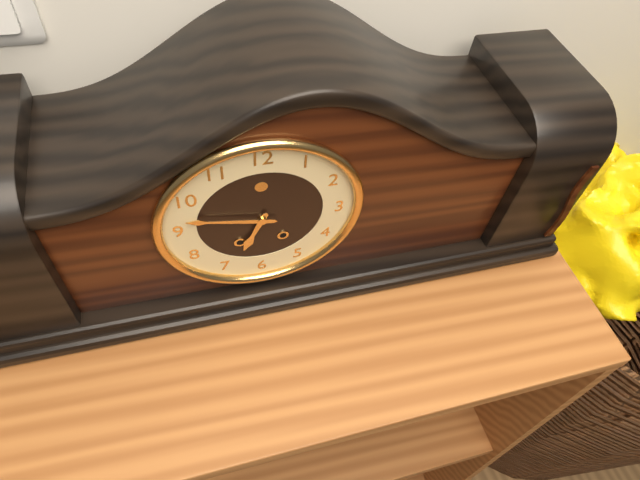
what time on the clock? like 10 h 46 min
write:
6 h 47 min
